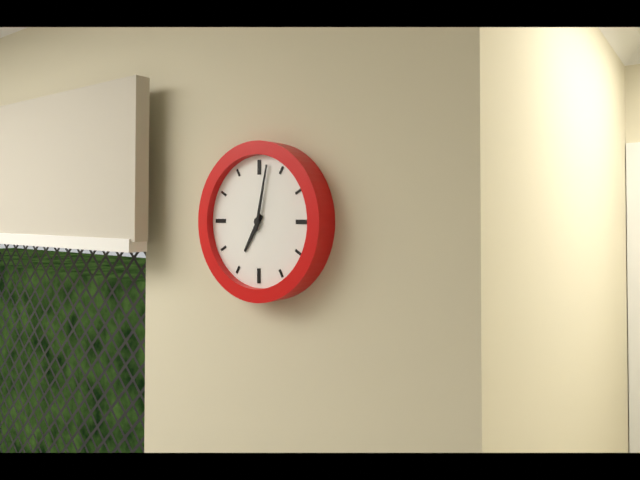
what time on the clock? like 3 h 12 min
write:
7 h 02 min
